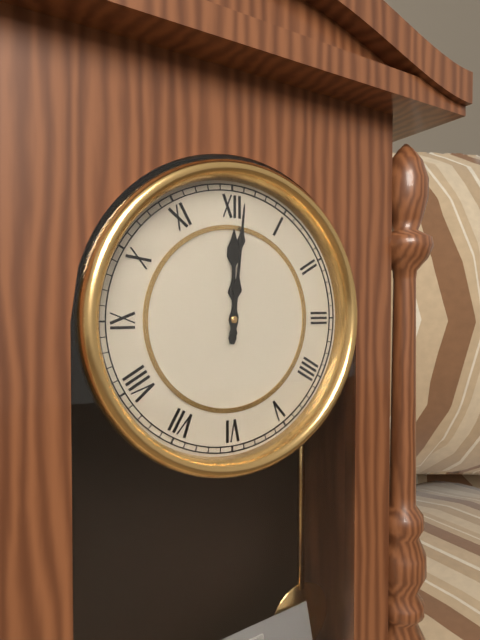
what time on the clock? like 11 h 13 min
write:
12 h 01 min
